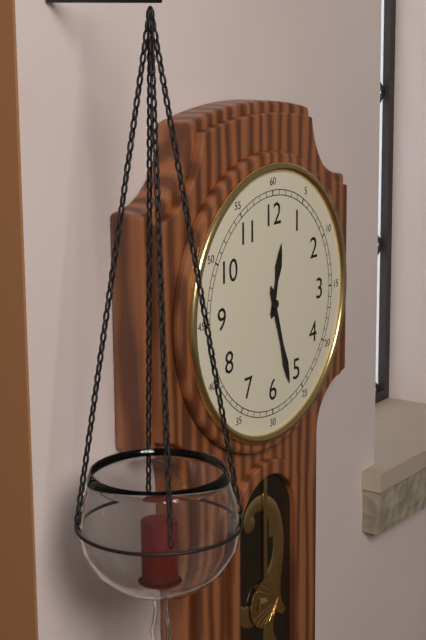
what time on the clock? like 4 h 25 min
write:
12 h 27 min
